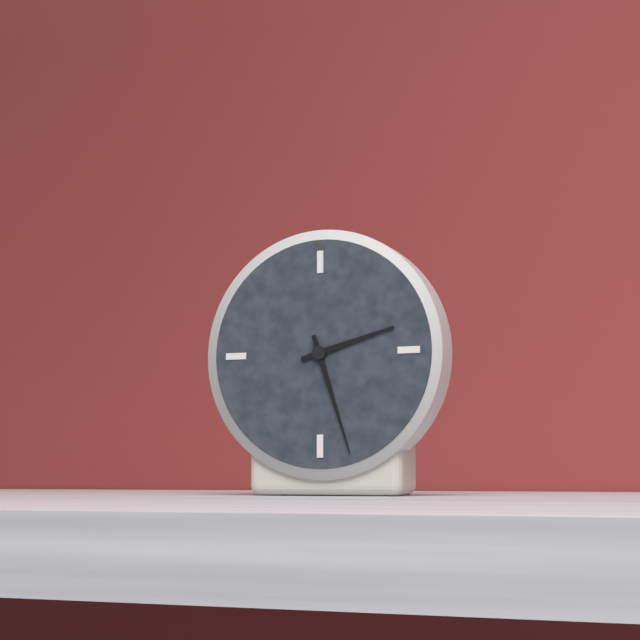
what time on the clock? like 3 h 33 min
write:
2 h 27 min
